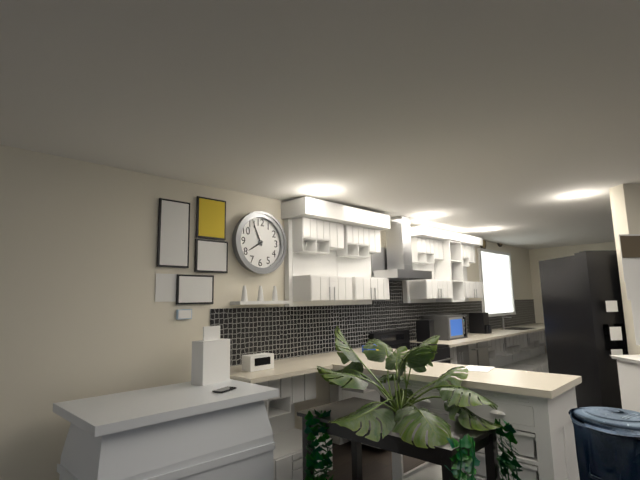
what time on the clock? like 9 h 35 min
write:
7 h 56 min
